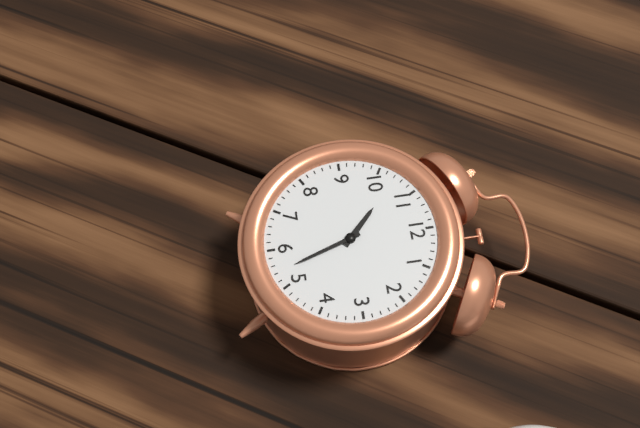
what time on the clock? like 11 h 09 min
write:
10 h 27 min
